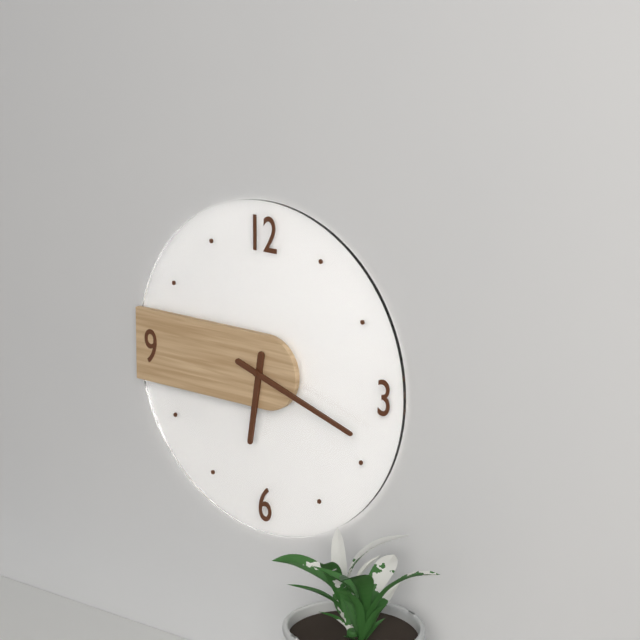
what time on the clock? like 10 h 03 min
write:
6 h 18 min
